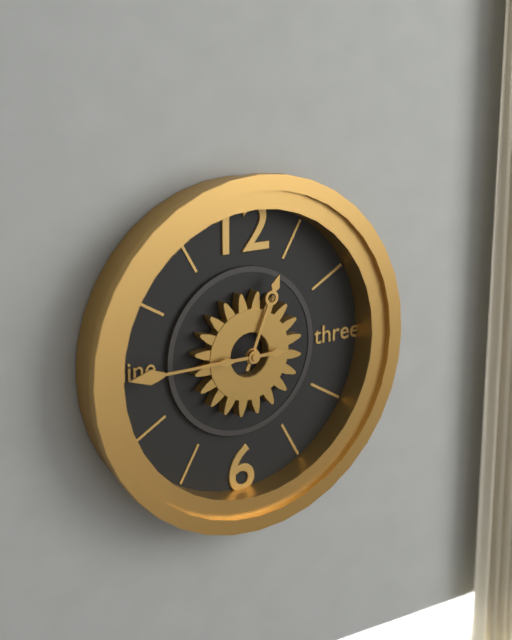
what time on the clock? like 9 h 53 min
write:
12 h 45 min
